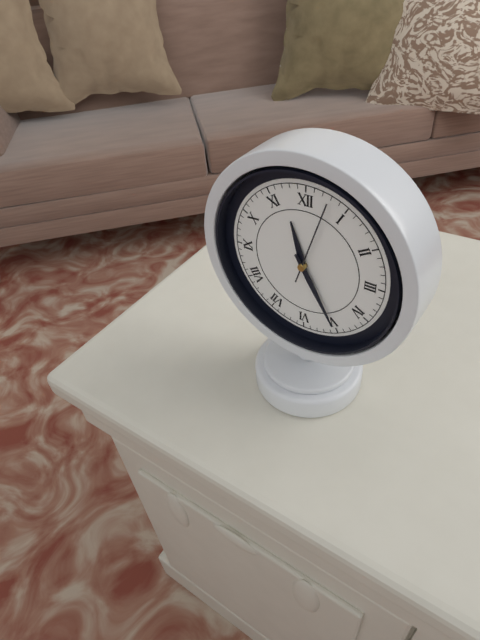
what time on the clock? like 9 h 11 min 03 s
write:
11 h 25 min 03 s
